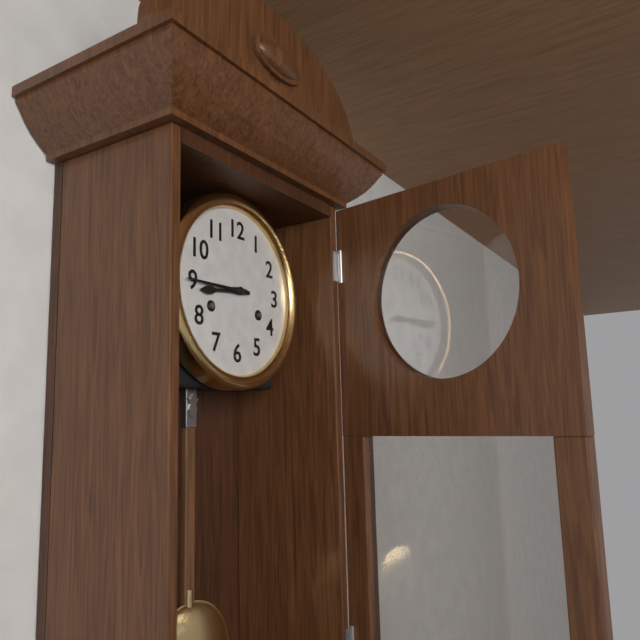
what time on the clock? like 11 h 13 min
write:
8 h 45 min
